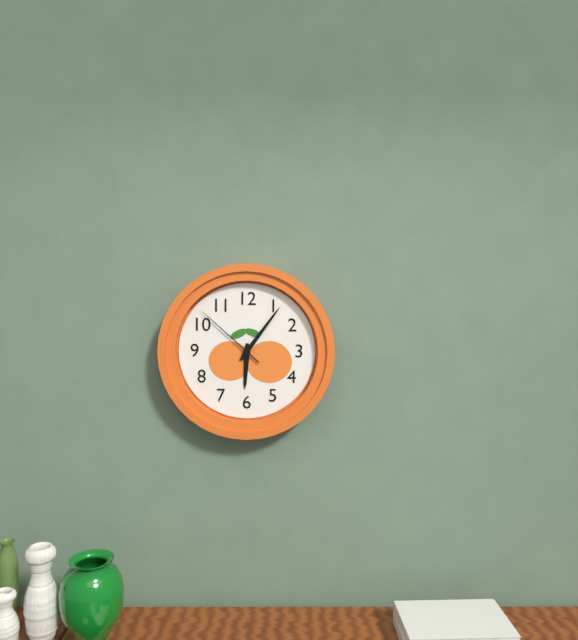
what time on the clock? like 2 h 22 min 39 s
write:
6 h 06 min 52 s
